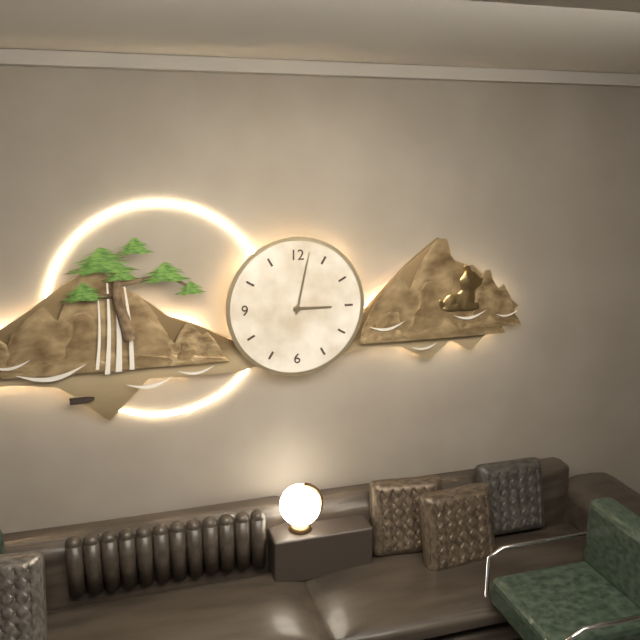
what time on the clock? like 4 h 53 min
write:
3 h 02 min
